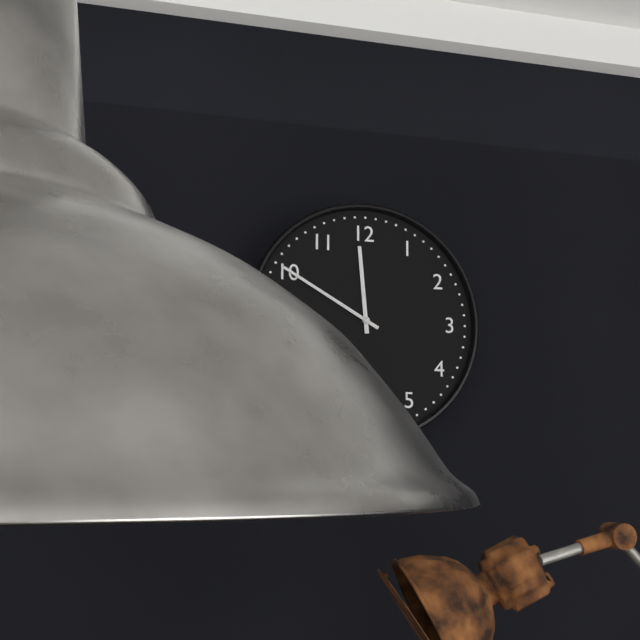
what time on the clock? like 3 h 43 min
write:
11 h 50 min
